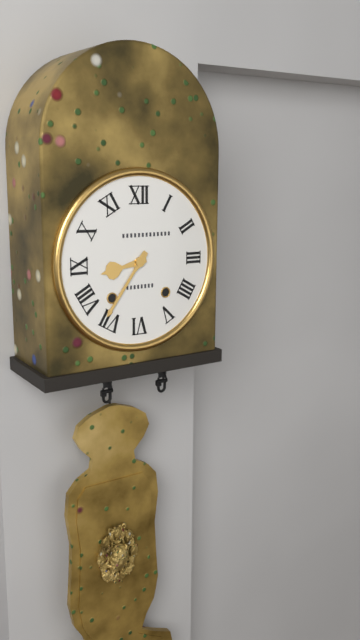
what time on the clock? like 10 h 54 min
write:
8 h 36 min
